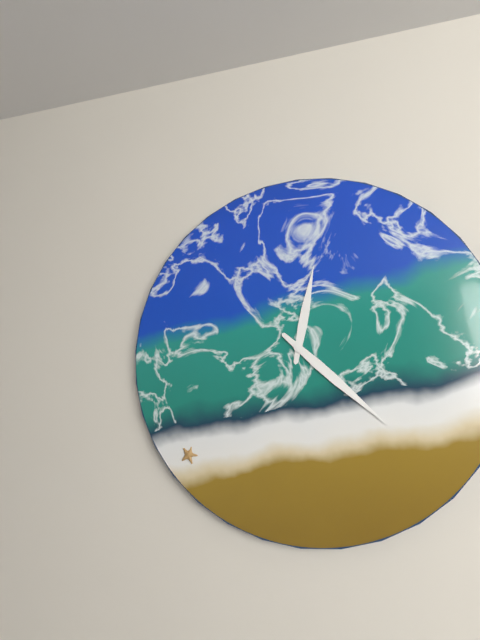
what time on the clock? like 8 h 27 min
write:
12 h 22 min
